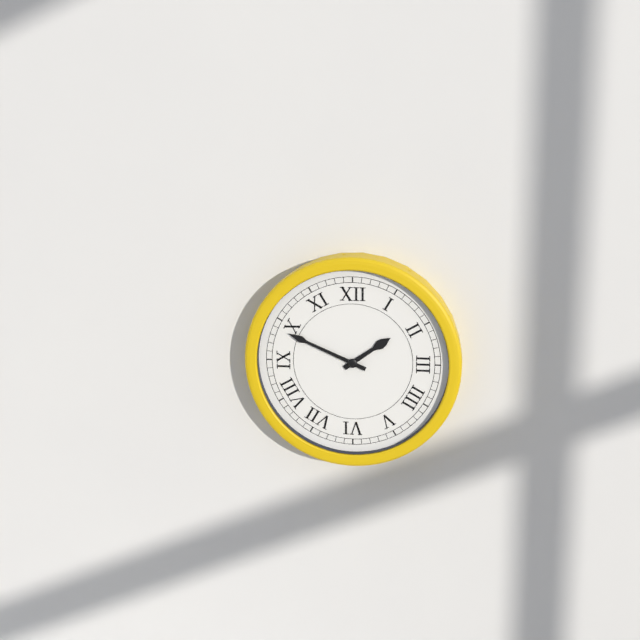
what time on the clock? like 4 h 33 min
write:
1 h 49 min
